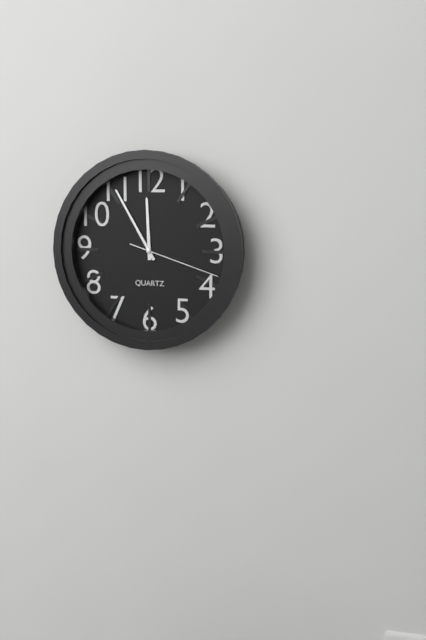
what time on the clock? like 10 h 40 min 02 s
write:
11 h 55 min 18 s
